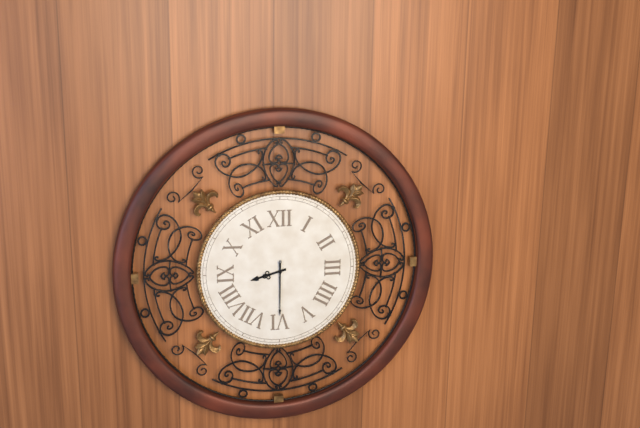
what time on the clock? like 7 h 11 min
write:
8 h 30 min
